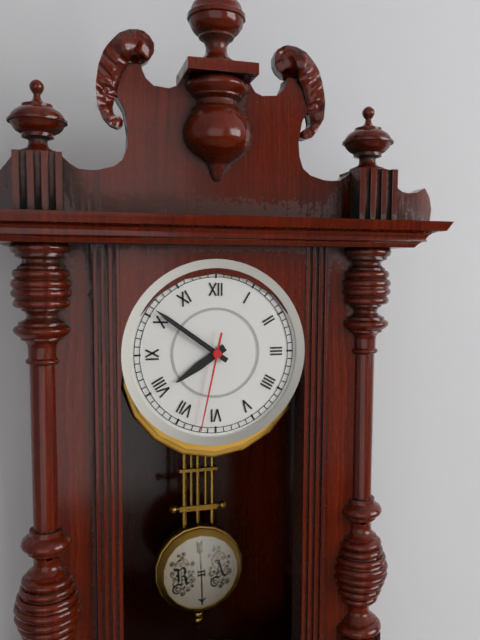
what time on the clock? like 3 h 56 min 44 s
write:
7 h 51 min 32 s
